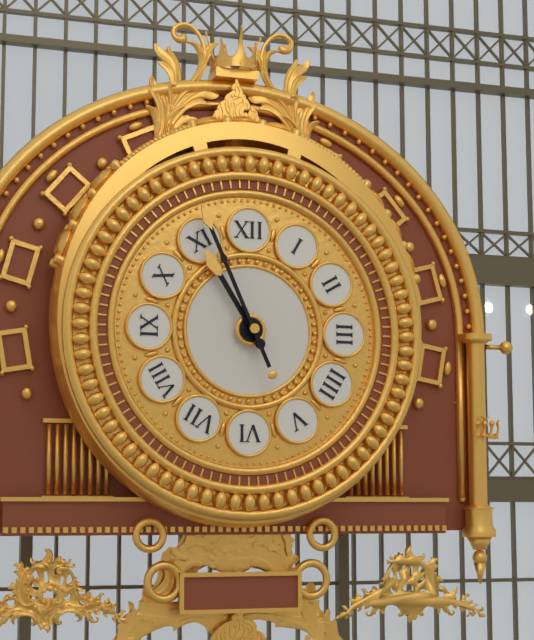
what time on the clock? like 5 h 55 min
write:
10 h 56 min
